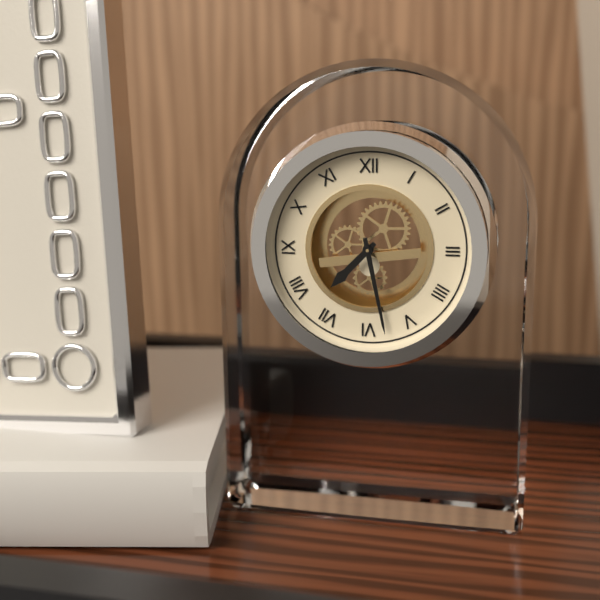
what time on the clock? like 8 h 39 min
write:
7 h 28 min
